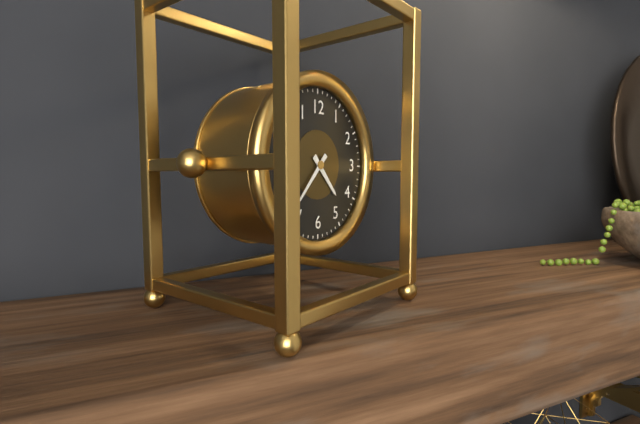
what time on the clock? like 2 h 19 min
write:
4 h 37 min
